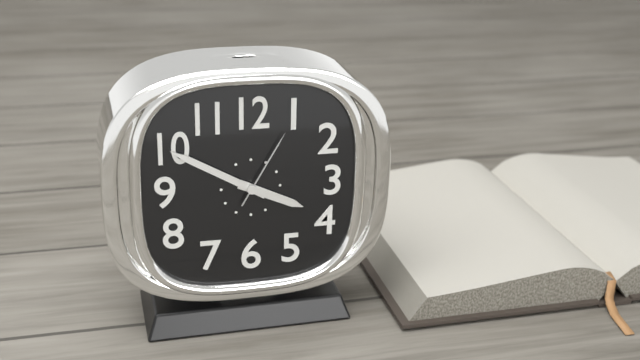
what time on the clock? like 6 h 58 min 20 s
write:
3 h 50 min 05 s
